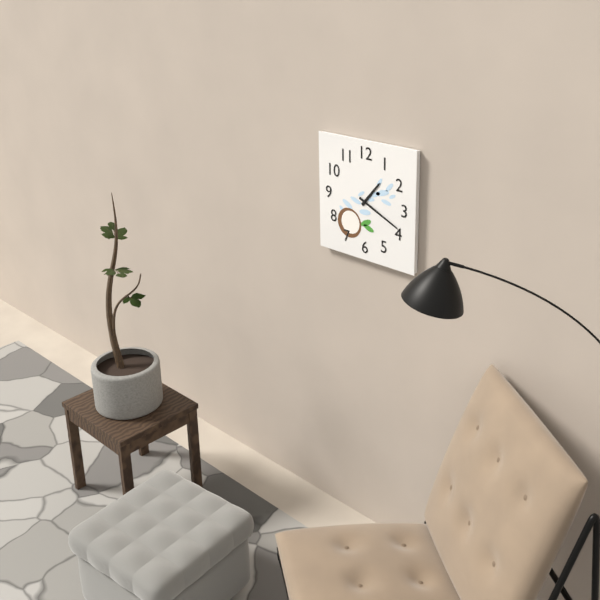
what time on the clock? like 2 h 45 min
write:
1 h 19 min
